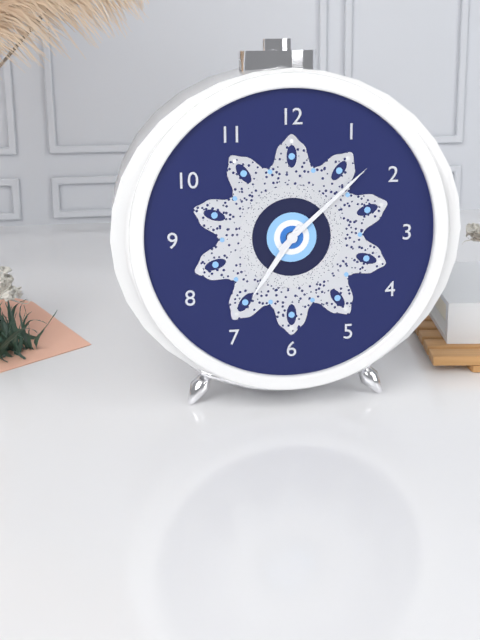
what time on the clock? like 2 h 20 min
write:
7 h 08 min
